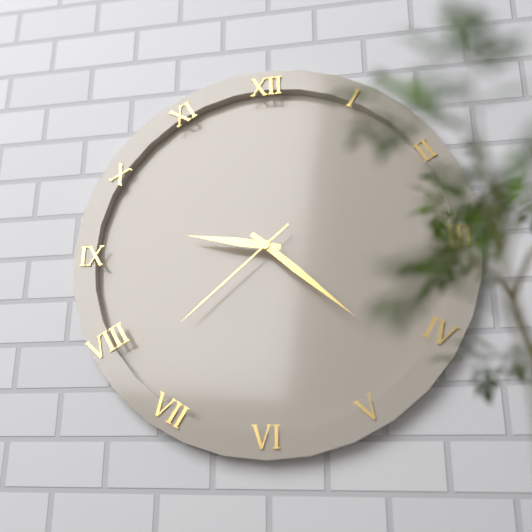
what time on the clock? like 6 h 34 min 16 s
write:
9 h 22 min 38 s
